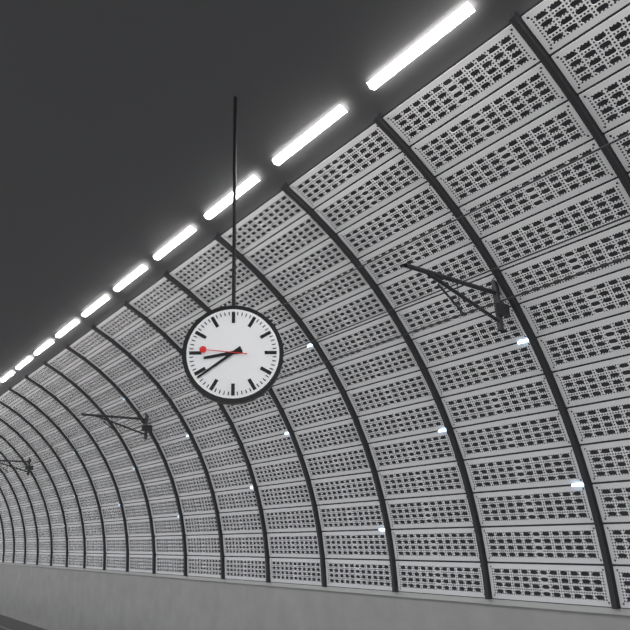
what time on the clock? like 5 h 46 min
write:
8 h 39 min
